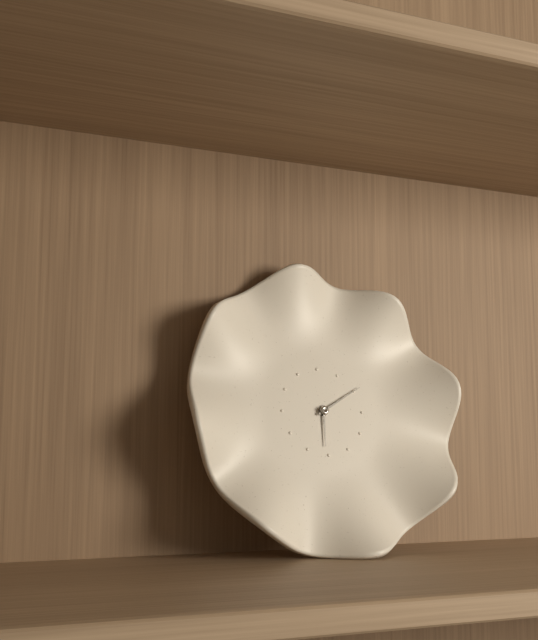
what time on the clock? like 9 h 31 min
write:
6 h 10 min
